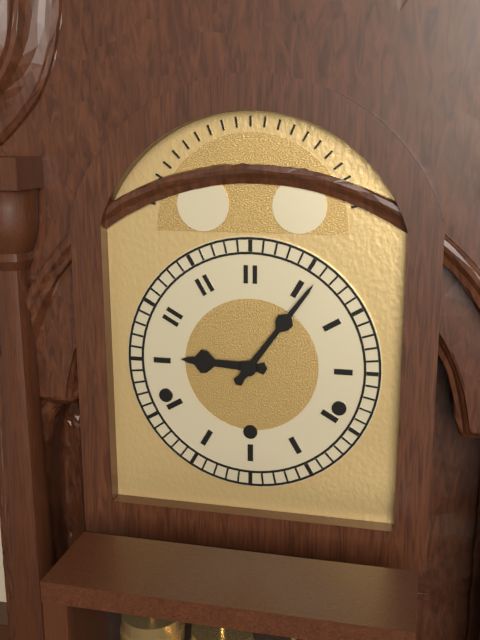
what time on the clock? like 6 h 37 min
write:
9 h 06 min
